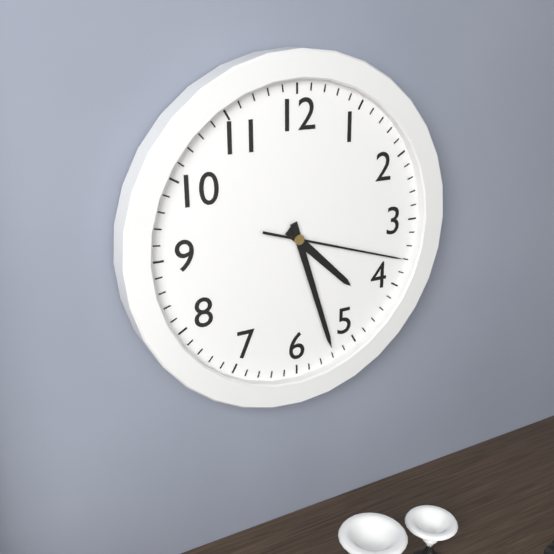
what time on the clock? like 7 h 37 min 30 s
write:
4 h 27 min 18 s
